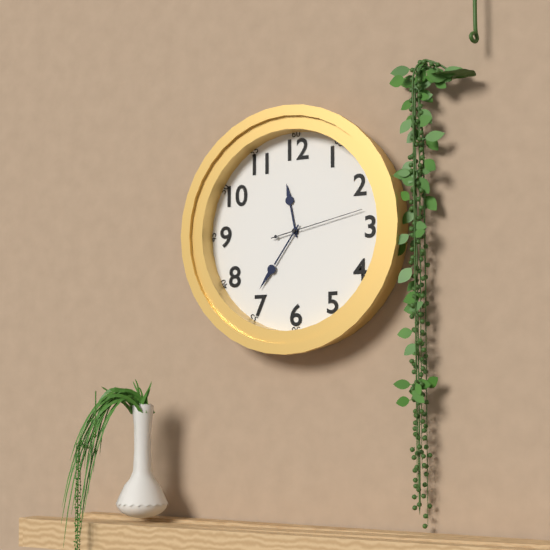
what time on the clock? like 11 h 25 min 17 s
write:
11 h 36 min 13 s
